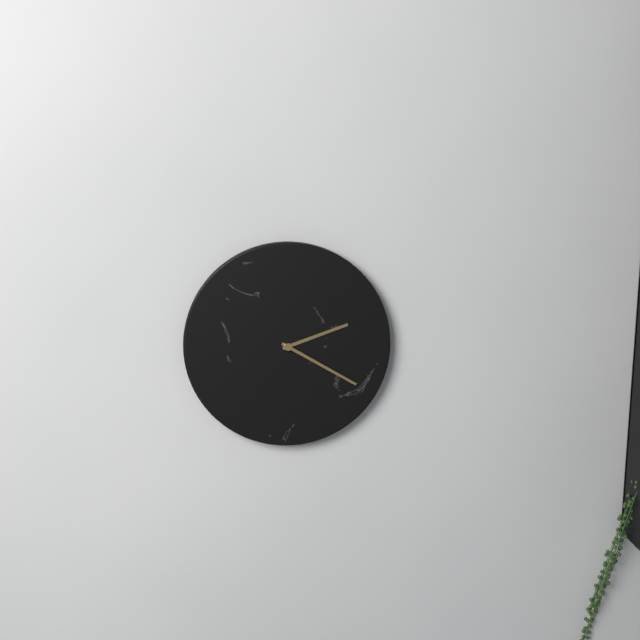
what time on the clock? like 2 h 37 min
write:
2 h 20 min
